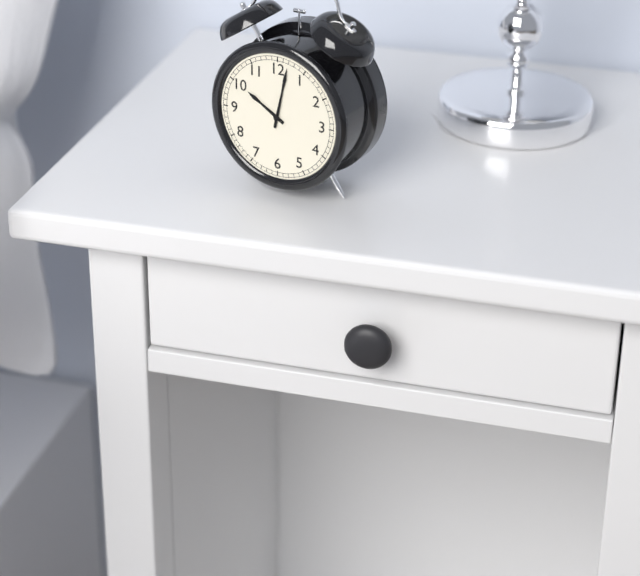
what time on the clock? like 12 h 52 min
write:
10 h 02 min
